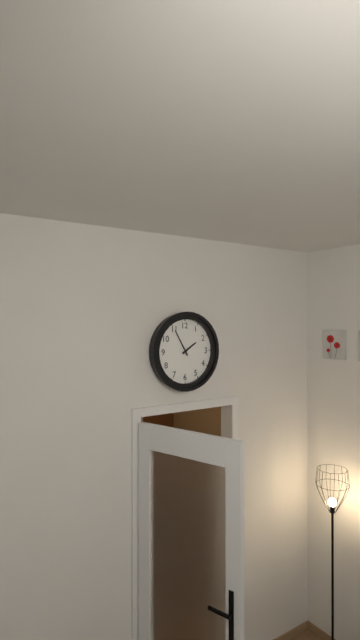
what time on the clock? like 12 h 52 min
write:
1 h 55 min
